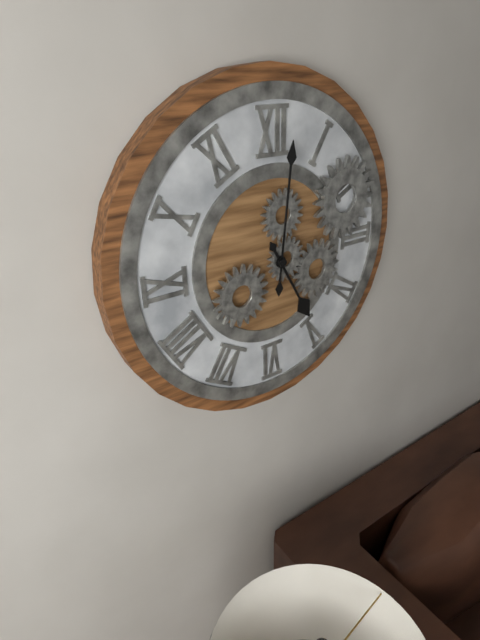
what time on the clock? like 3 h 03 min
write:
5 h 01 min
